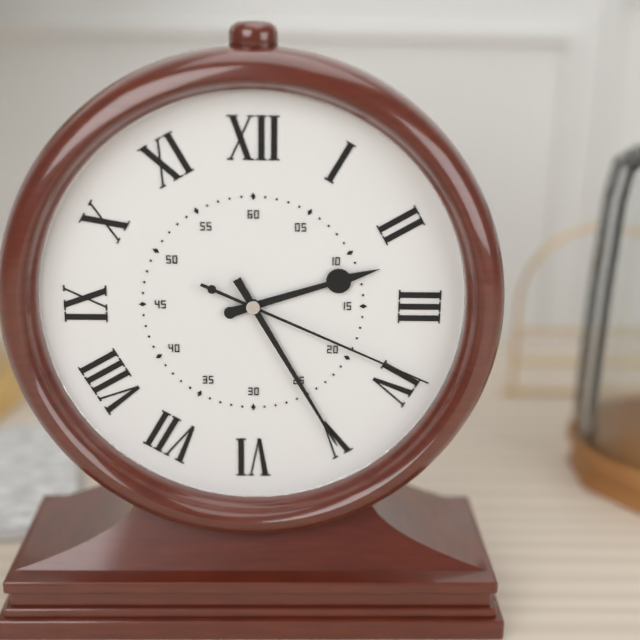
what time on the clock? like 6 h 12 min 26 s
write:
2 h 25 min 19 s
